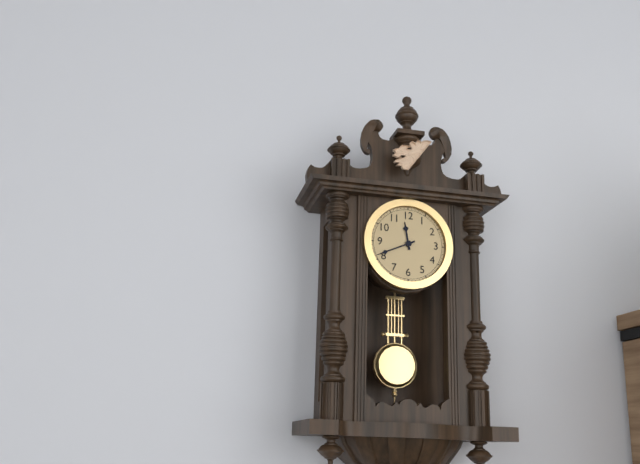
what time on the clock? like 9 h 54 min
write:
11 h 41 min
